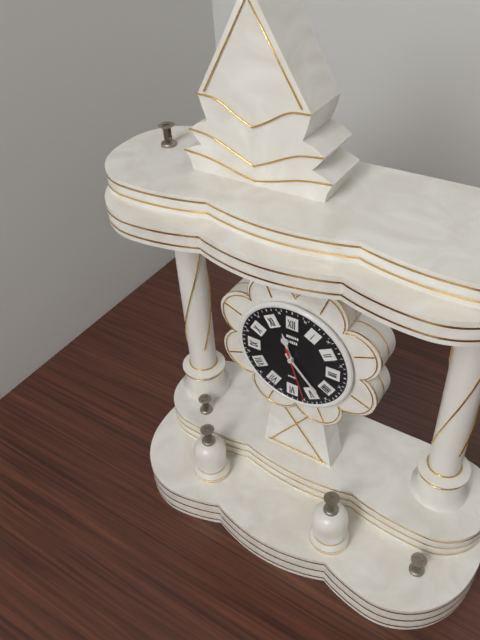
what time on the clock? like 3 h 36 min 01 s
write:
11 h 23 min 27 s
